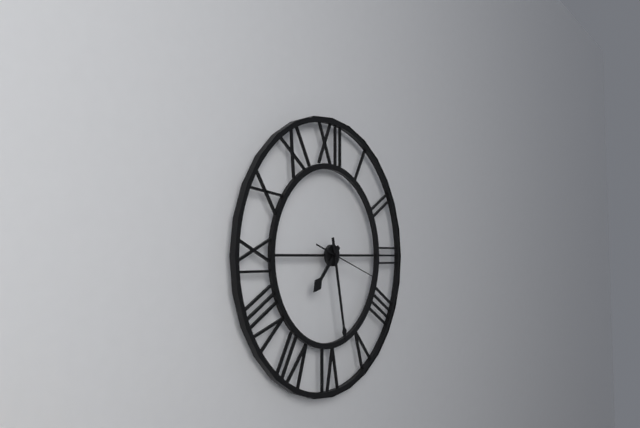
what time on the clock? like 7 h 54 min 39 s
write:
7 h 28 min 18 s
